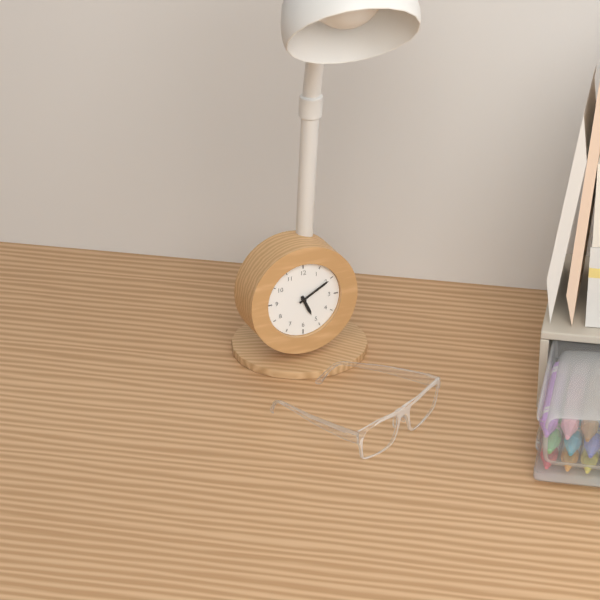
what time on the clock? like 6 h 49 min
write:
5 h 10 min
